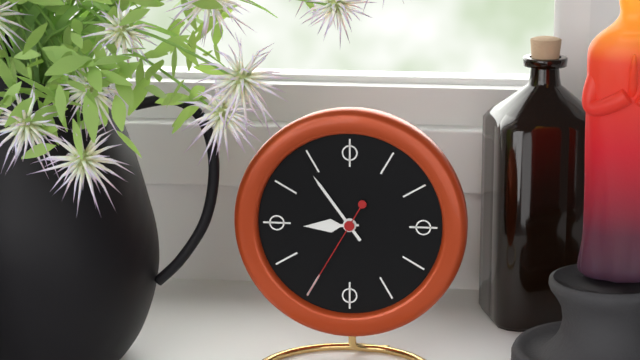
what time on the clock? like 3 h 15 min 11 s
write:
8 h 54 min 35 s
